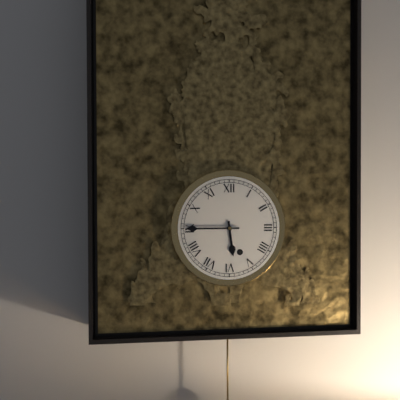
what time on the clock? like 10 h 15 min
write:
5 h 45 min
